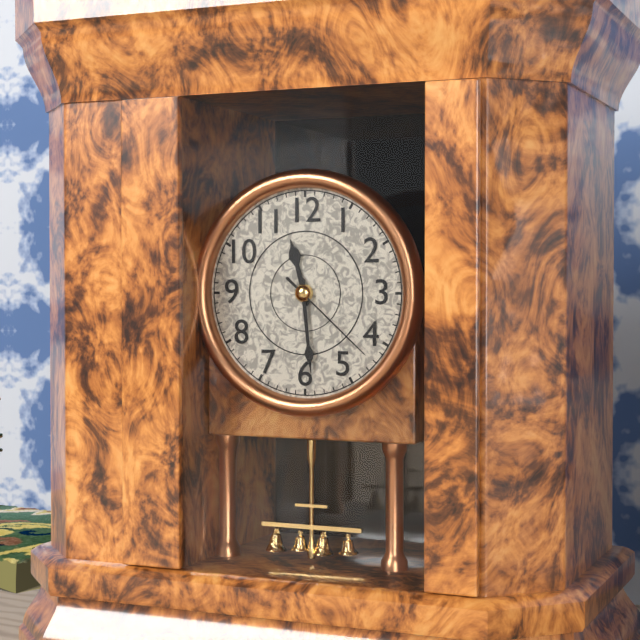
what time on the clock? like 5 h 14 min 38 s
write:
11 h 29 min 22 s
